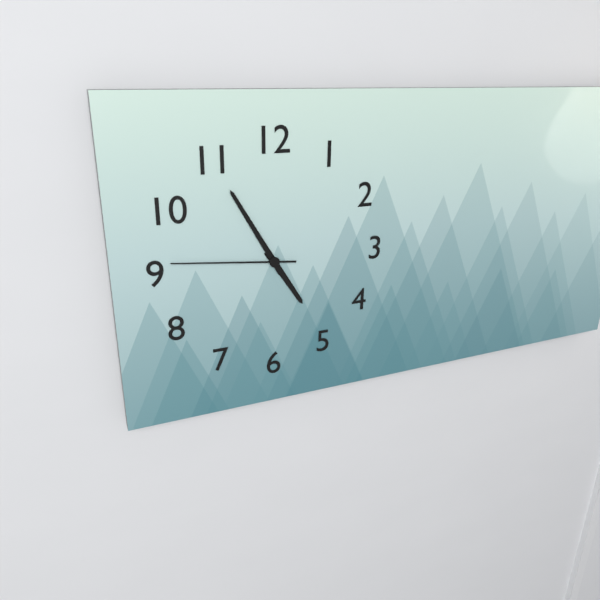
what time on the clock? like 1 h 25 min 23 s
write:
4 h 55 min 46 s
